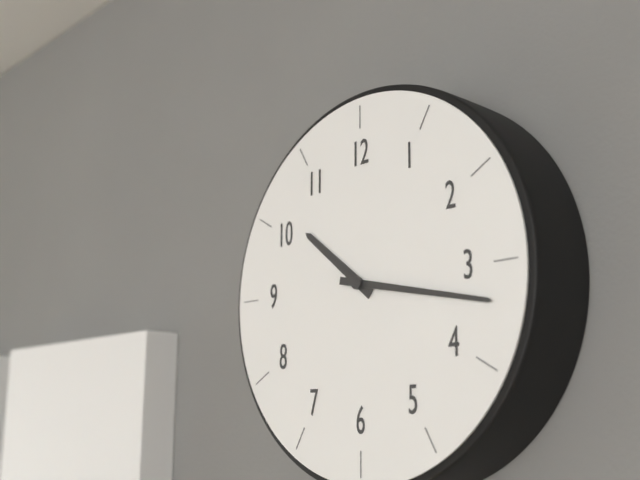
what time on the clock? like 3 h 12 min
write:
10 h 17 min
